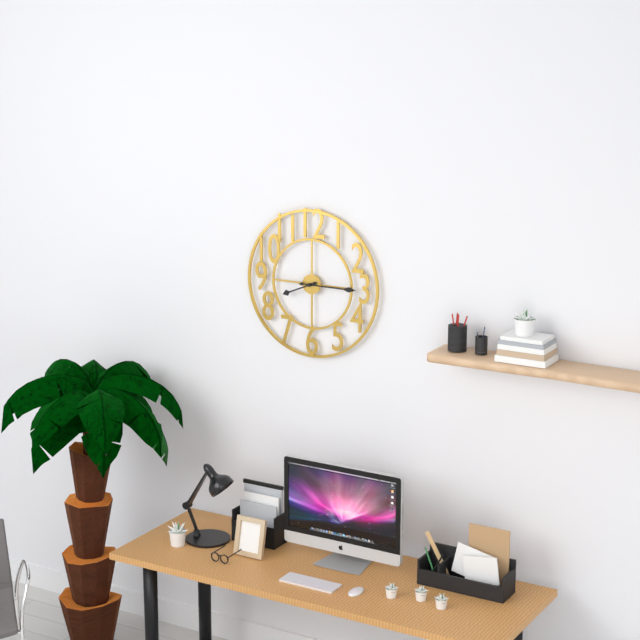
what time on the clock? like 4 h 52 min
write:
8 h 15 min
